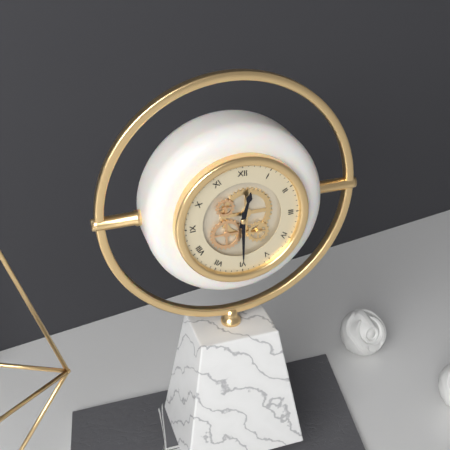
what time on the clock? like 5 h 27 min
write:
12 h 30 min
